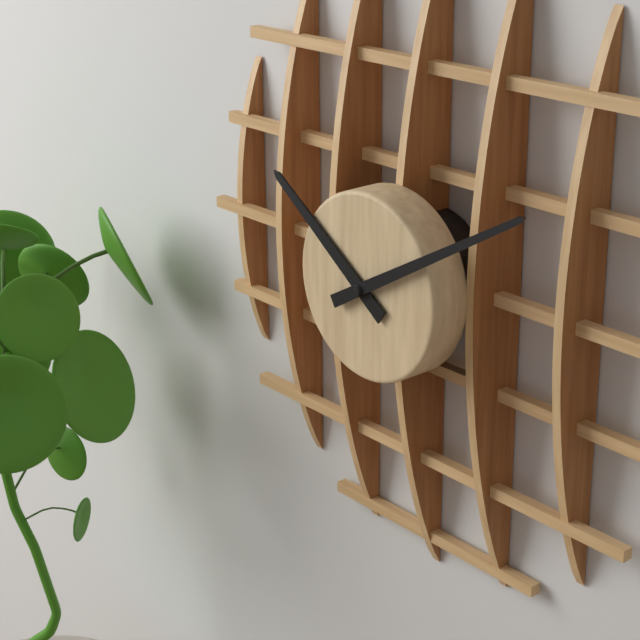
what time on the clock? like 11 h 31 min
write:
10 h 10 min
